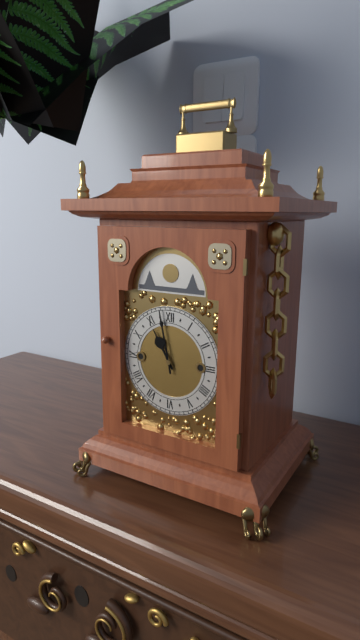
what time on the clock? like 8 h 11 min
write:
10 h 58 min
